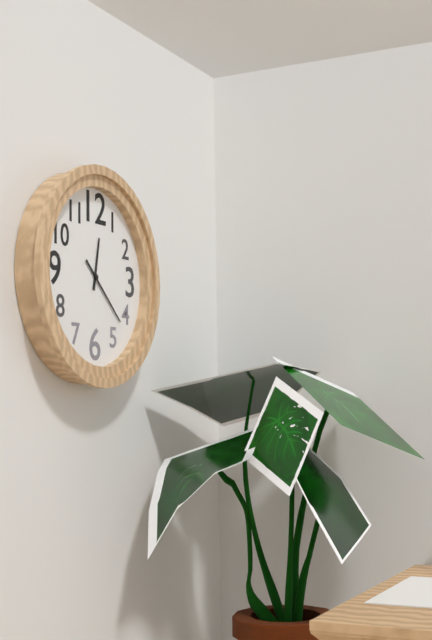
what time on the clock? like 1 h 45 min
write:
12 h 22 min
